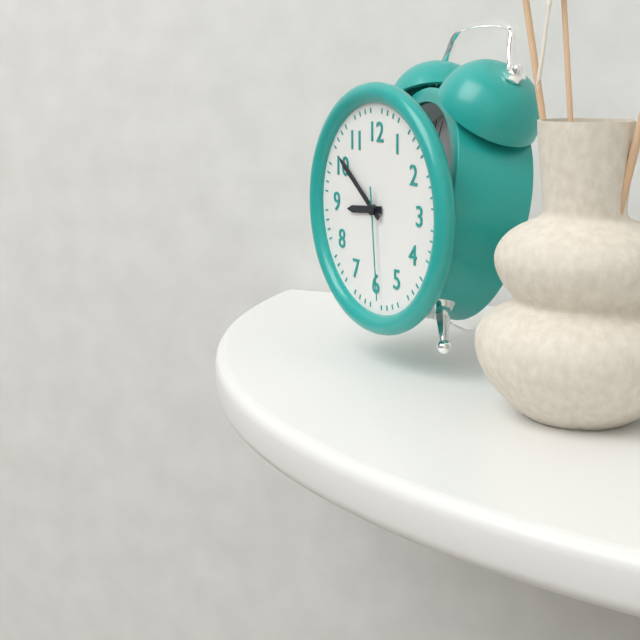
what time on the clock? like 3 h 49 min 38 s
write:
8 h 51 min 29 s
